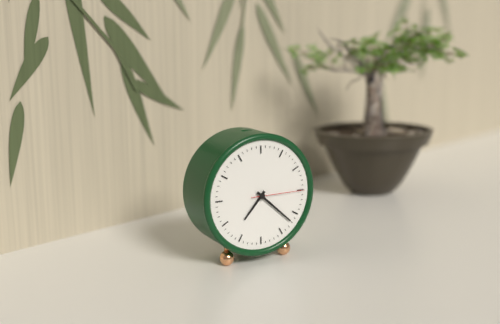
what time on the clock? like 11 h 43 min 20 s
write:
7 h 22 min 15 s
